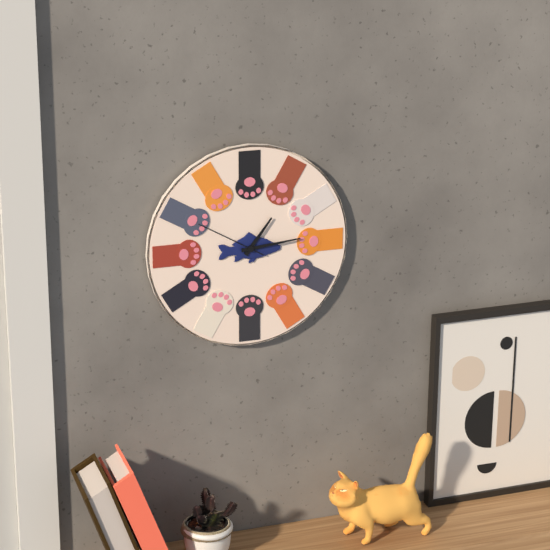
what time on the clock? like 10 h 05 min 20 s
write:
1 h 14 min 50 s
